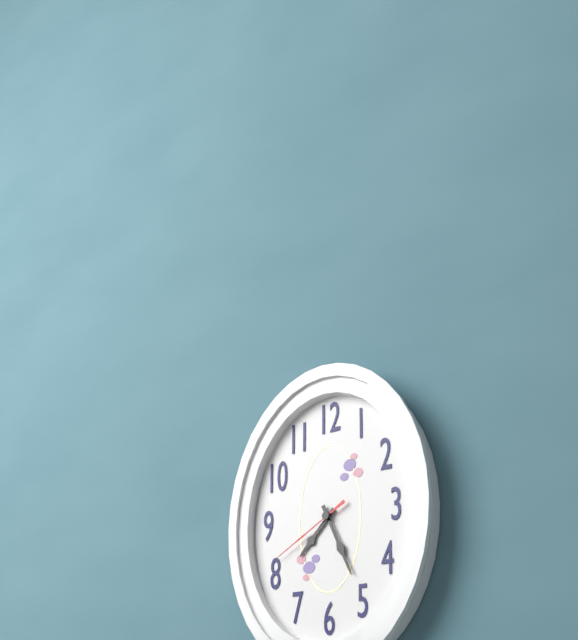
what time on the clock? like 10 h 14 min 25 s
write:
7 h 26 min 40 s
